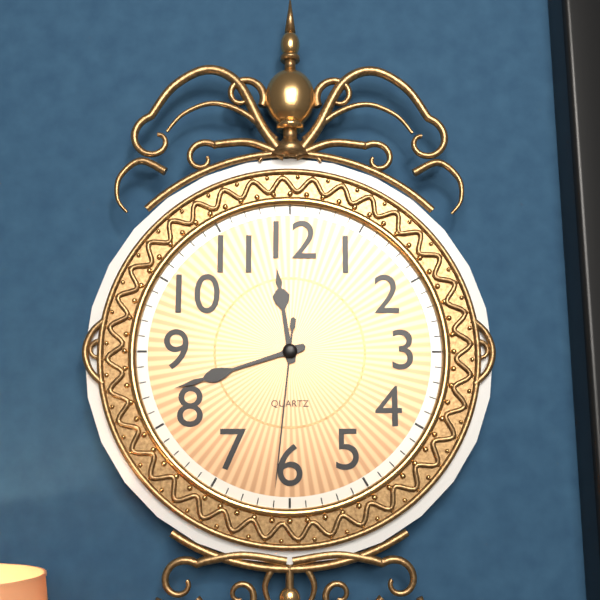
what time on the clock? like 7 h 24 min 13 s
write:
11 h 42 min 31 s
